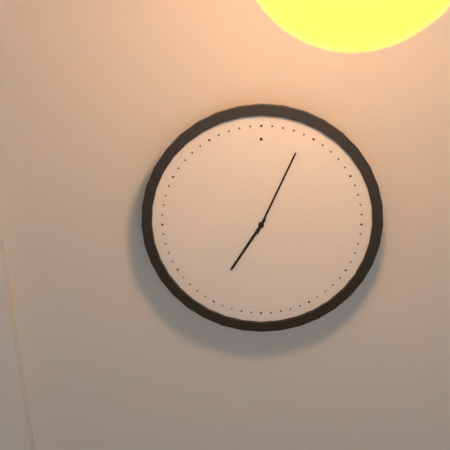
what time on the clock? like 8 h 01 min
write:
7 h 04 min
